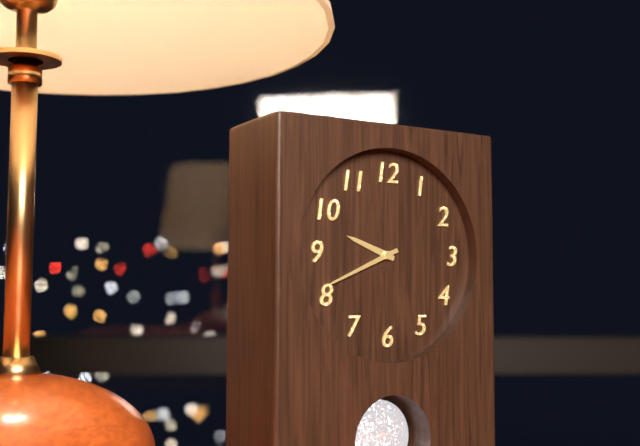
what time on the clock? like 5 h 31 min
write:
9 h 41 min
